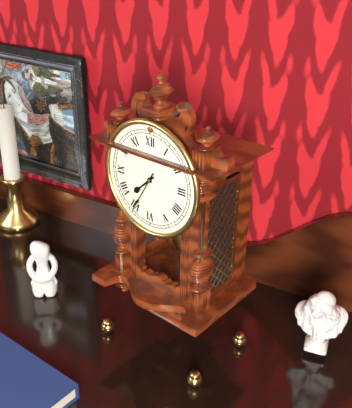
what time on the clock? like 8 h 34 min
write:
7 h 35 min
